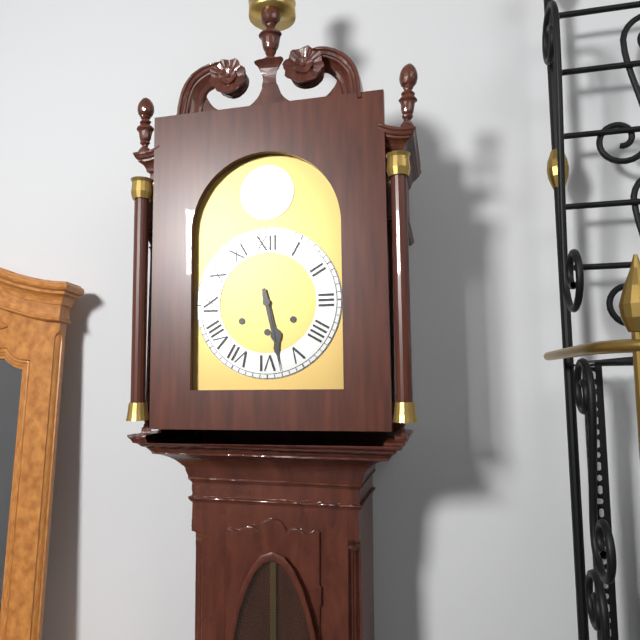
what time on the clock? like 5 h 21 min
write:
5 h 28 min
